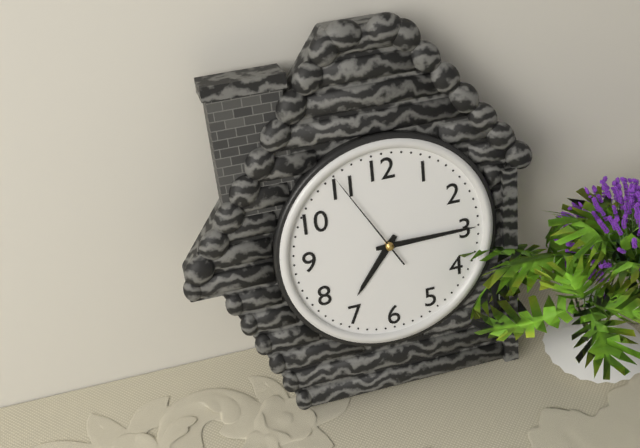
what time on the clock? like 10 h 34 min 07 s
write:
7 h 15 min 55 s
